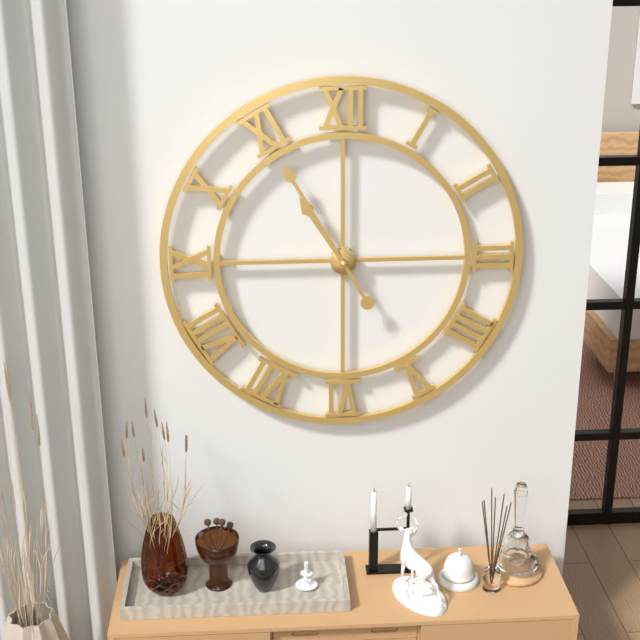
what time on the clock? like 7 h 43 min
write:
10 h 55 min
